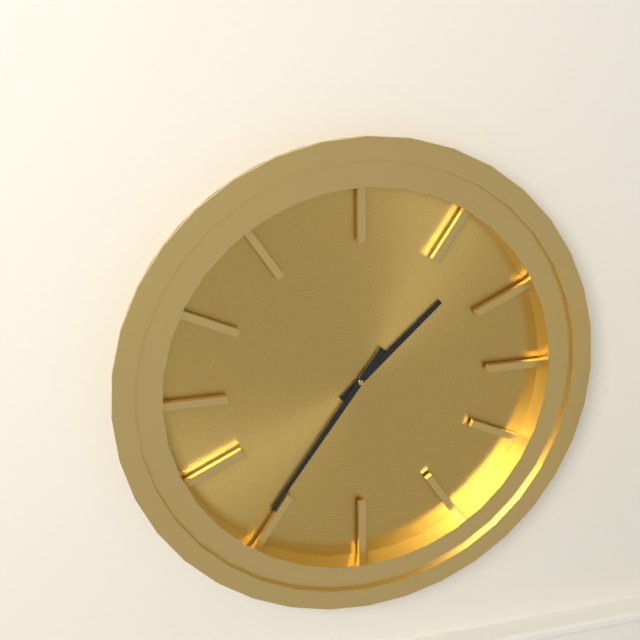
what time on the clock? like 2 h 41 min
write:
1 h 36 min
